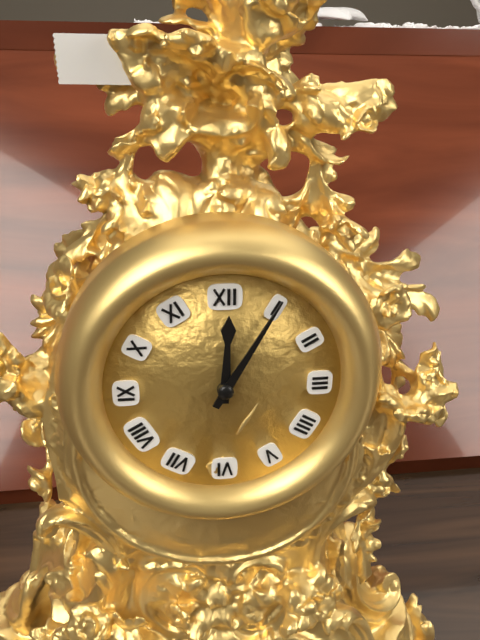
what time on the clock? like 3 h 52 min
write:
12 h 05 min
